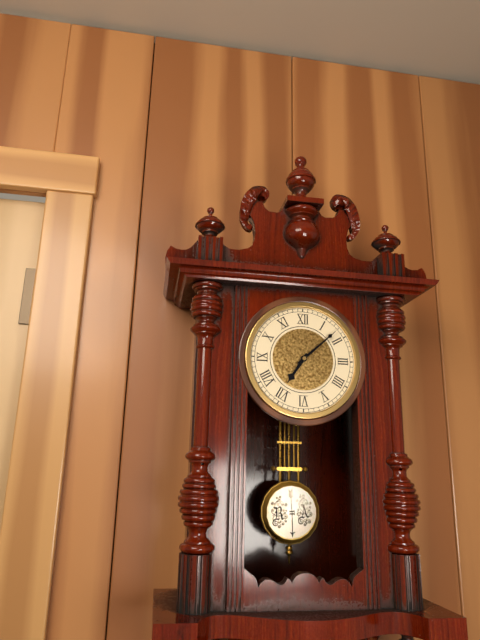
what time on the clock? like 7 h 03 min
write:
7 h 08 min
